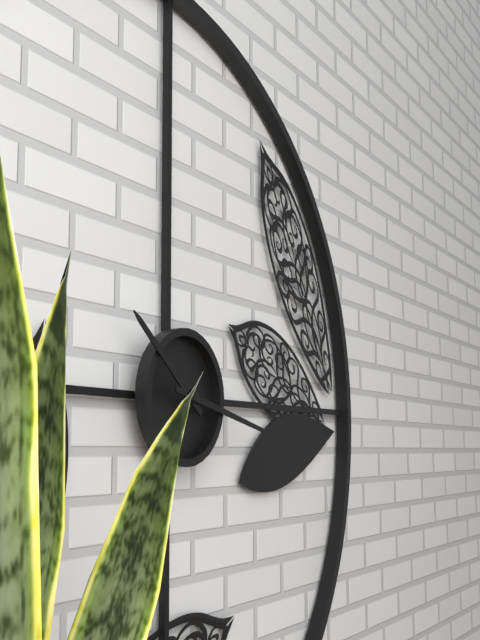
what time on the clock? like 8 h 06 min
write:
10 h 17 min
